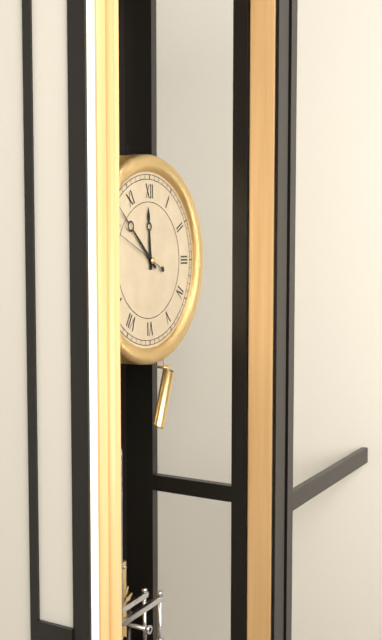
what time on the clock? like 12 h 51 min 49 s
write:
11 h 52 min 49 s
